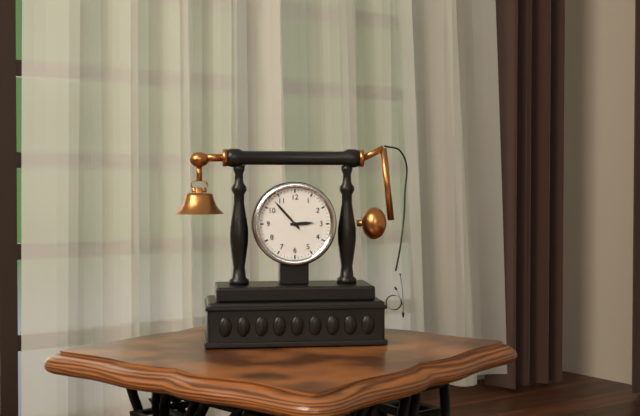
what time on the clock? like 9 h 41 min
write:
2 h 53 min
